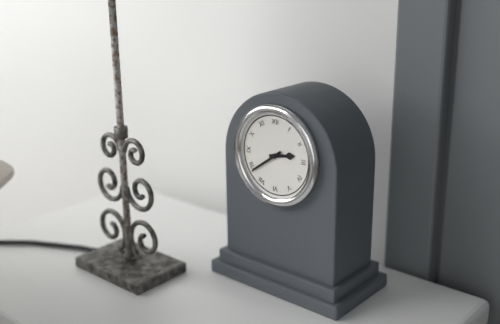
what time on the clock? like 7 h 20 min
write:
2 h 39 min
